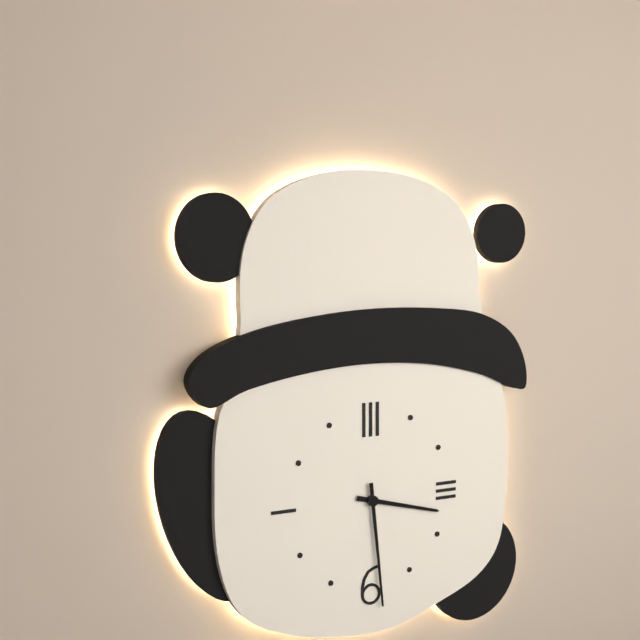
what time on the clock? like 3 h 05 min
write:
3 h 29 min
